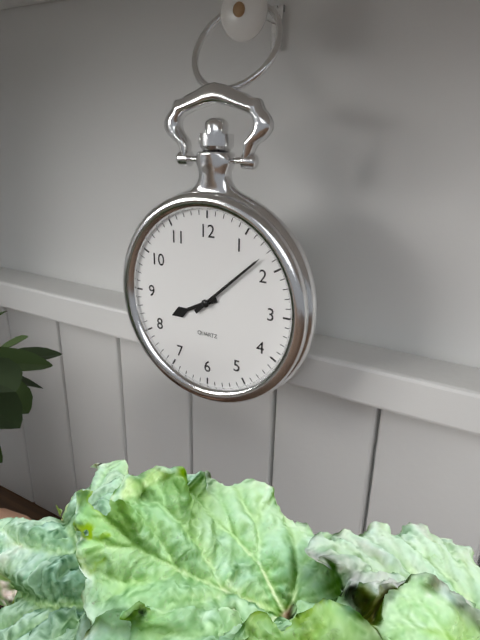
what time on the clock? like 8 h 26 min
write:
8 h 08 min
